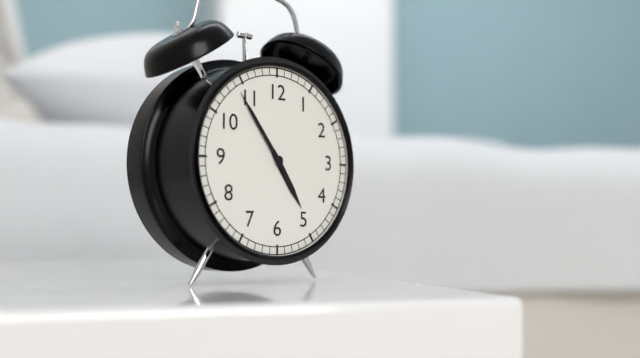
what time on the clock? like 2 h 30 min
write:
4 h 54 min
